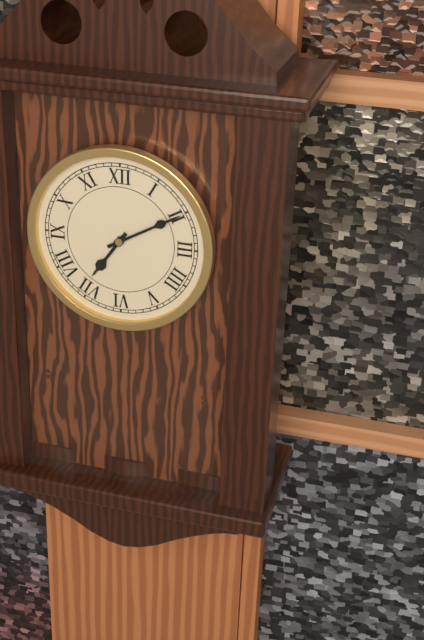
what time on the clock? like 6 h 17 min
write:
7 h 10 min
